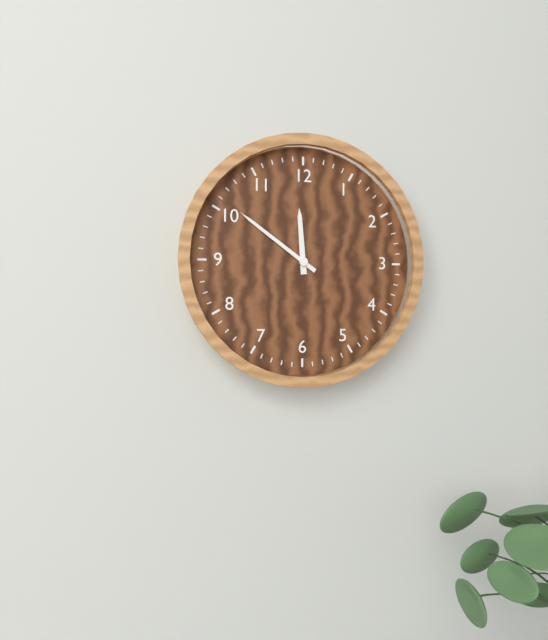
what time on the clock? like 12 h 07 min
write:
11 h 51 min
